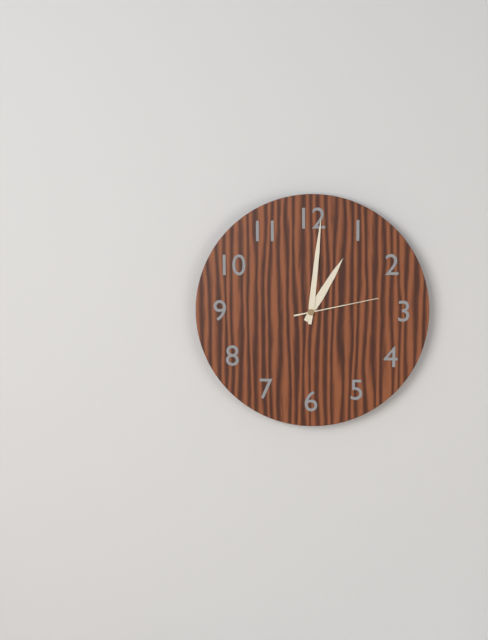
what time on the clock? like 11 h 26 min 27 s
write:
1 h 01 min 13 s
